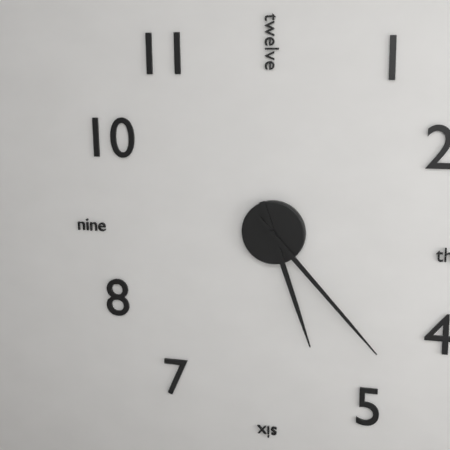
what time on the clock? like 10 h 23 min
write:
5 h 23 min
